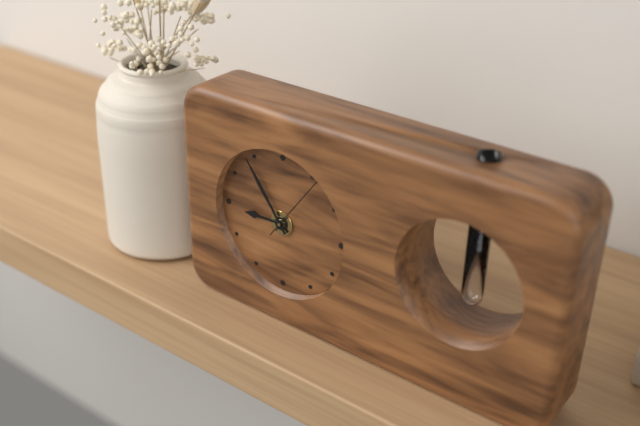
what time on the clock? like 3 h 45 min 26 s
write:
8 h 54 min 06 s
